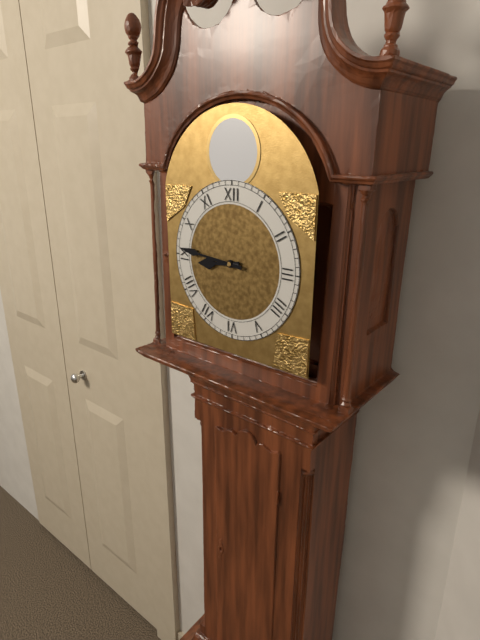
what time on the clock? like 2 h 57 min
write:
8 h 46 min
